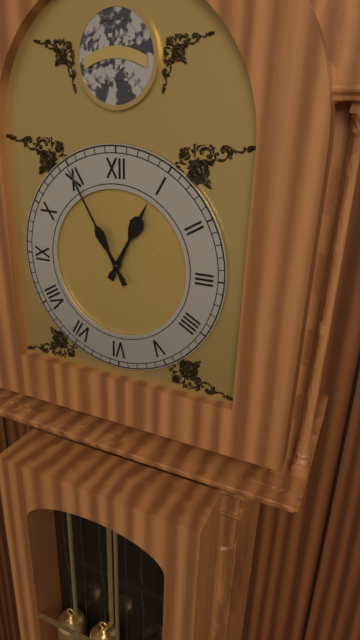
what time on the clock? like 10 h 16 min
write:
12 h 55 min
